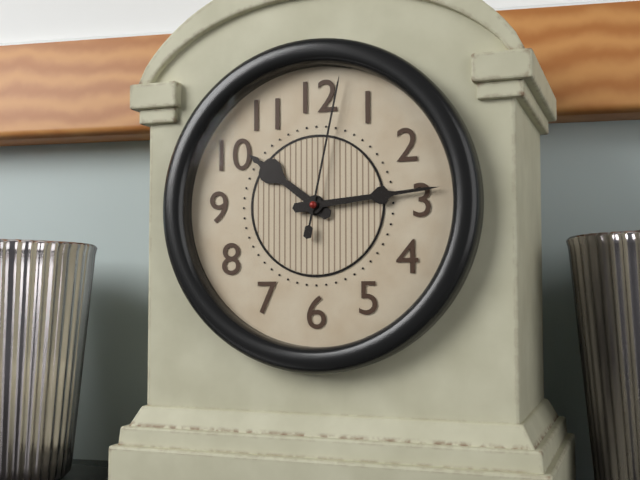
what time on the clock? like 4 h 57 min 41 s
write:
10 h 14 min 02 s
